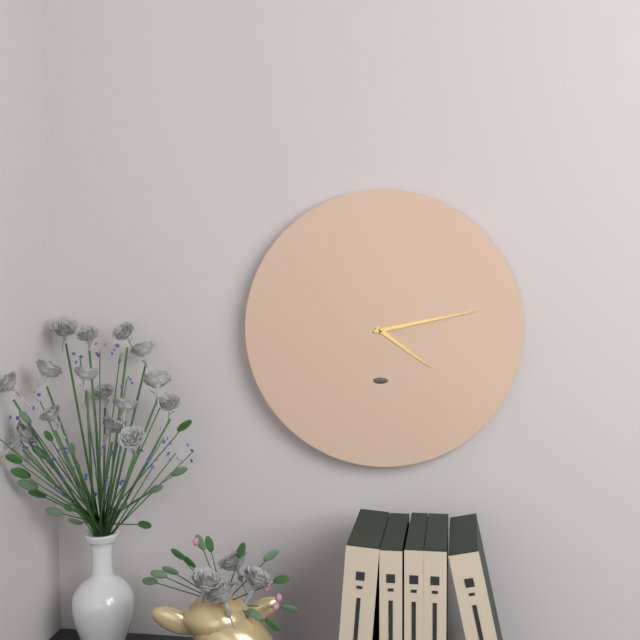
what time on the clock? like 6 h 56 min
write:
4 h 13 min
